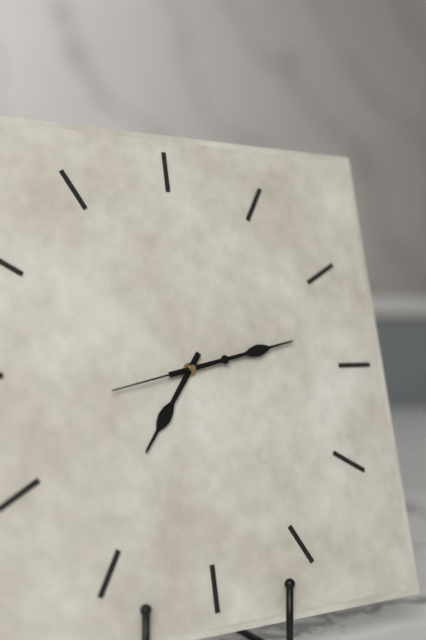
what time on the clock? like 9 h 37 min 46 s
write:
7 h 13 min 43 s
